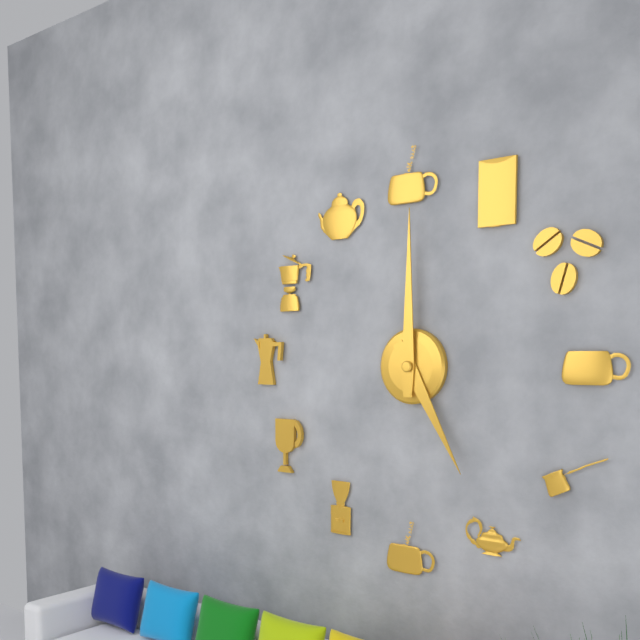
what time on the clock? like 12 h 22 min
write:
5 h 00 min
